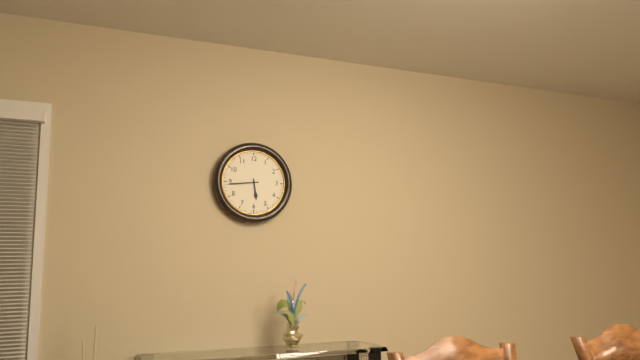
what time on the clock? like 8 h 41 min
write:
5 h 44 min
